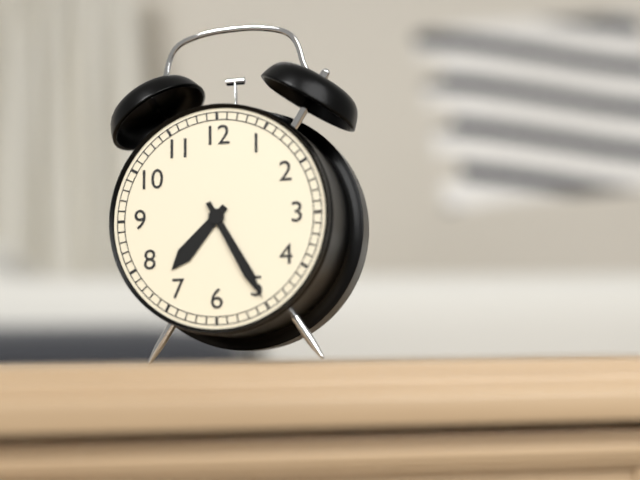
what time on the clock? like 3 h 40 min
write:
7 h 25 min
